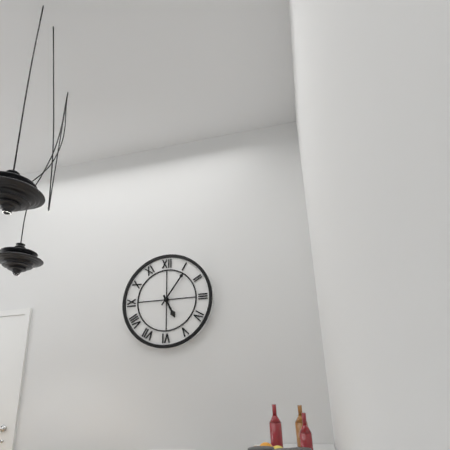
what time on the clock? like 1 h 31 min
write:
5 h 06 min
